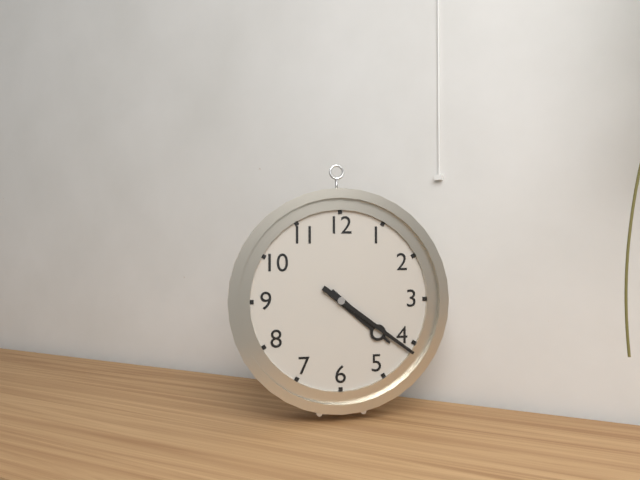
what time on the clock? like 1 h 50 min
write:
4 h 21 min
